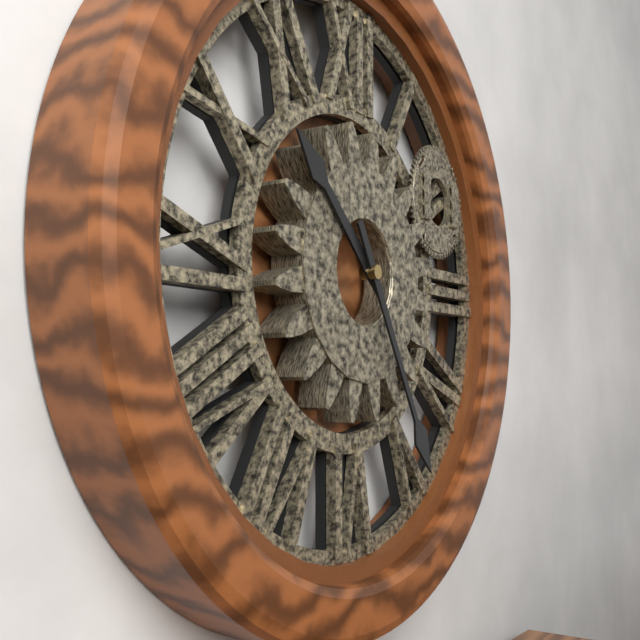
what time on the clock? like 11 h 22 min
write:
10 h 25 min
